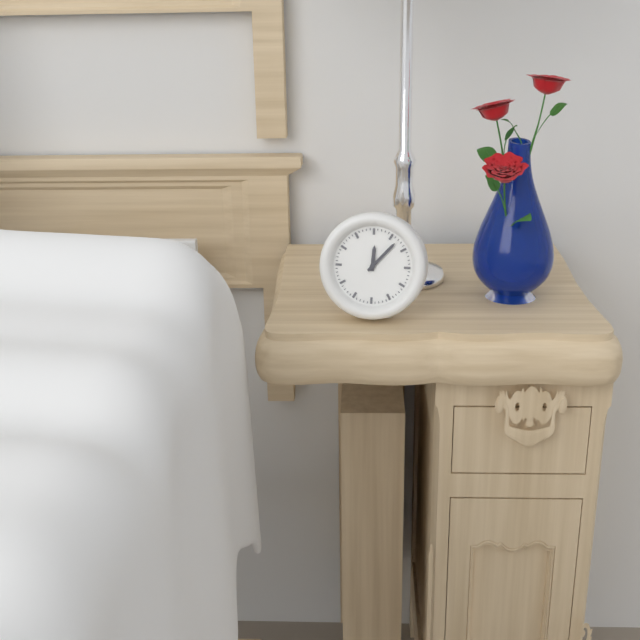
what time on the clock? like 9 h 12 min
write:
12 h 07 min
